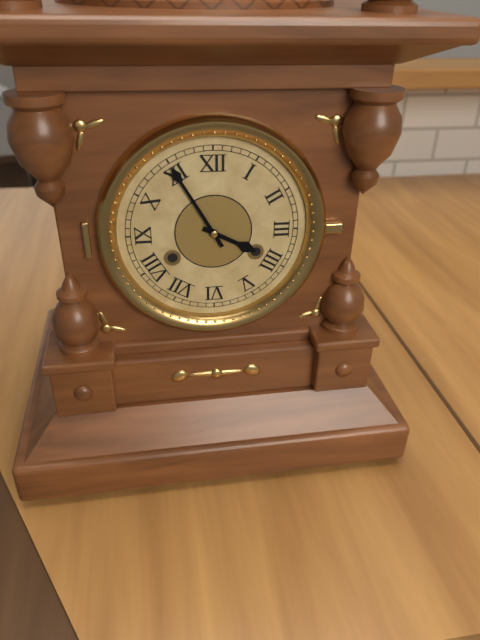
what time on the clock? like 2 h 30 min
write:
3 h 55 min
